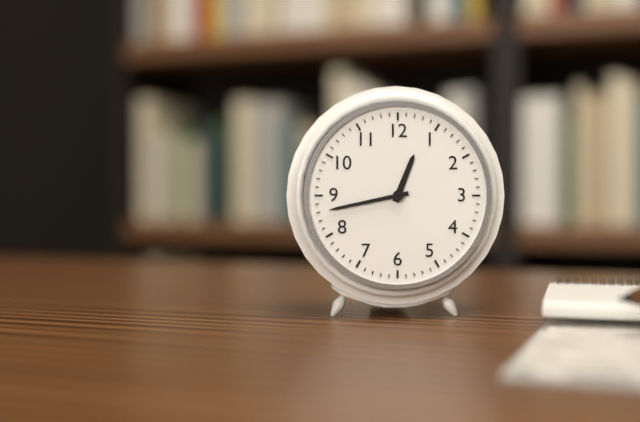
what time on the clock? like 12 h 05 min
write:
12 h 43 min
